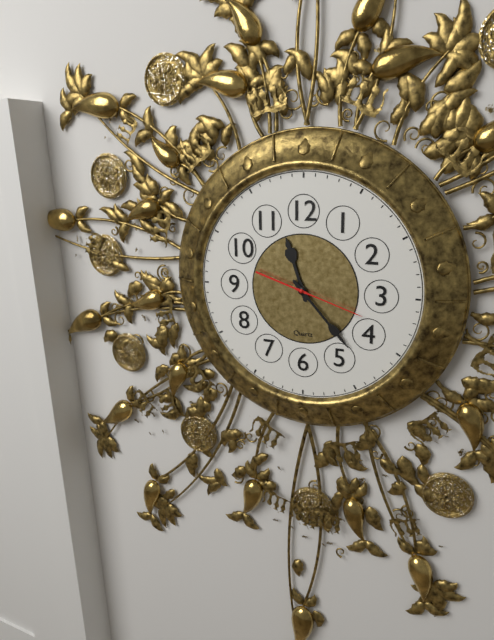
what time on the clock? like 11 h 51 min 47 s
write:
11 h 23 min 18 s
